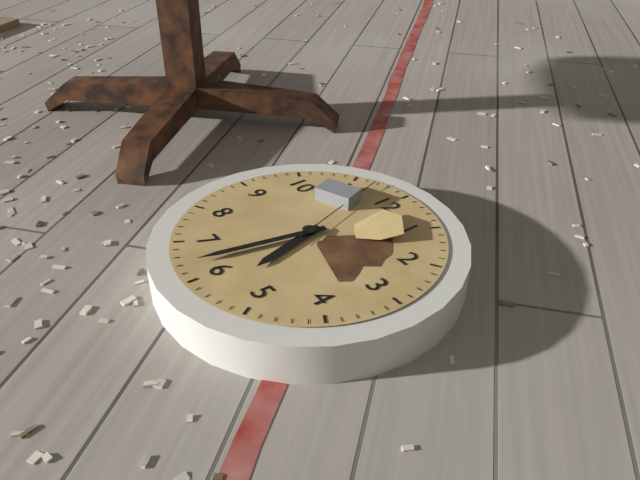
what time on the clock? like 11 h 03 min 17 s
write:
5 h 32 min 57 s
